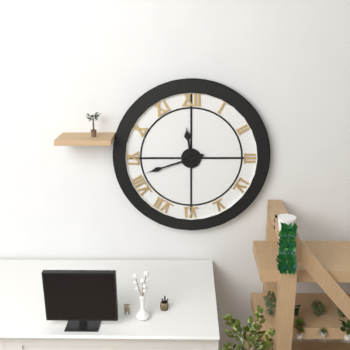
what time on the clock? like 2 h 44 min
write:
11 h 42 min
